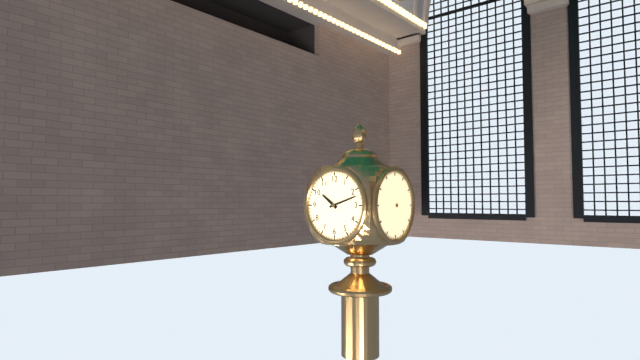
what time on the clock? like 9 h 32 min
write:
10 h 12 min
